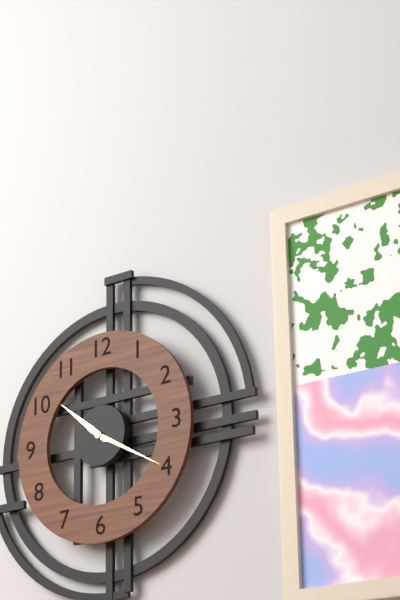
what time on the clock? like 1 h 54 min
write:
10 h 20 min
